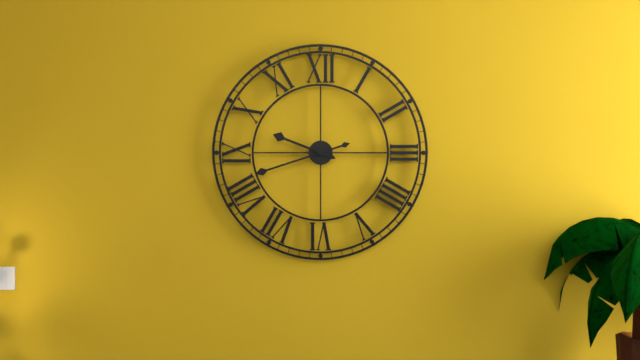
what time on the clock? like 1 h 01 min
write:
9 h 42 min
